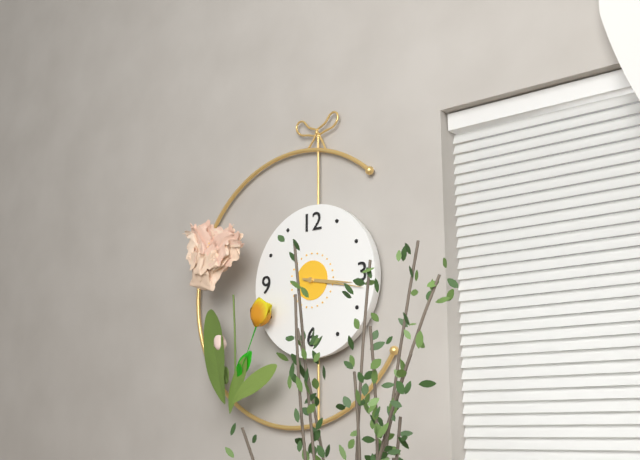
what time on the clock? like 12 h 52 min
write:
3 h 17 min
